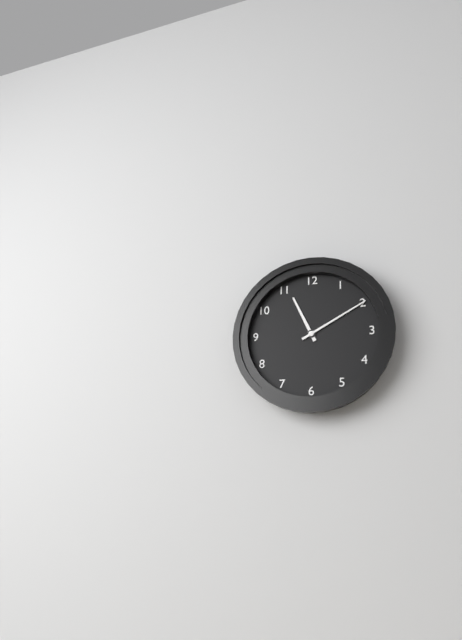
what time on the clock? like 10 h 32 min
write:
11 h 10 min
